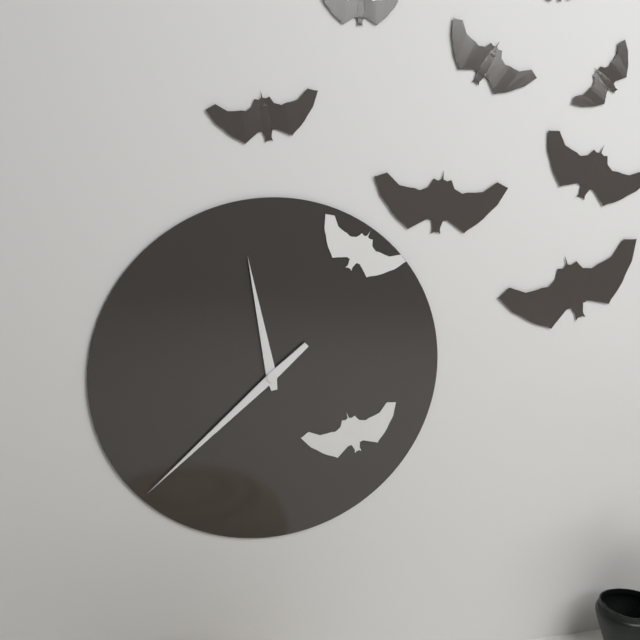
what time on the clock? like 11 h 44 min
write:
11 h 38 min
